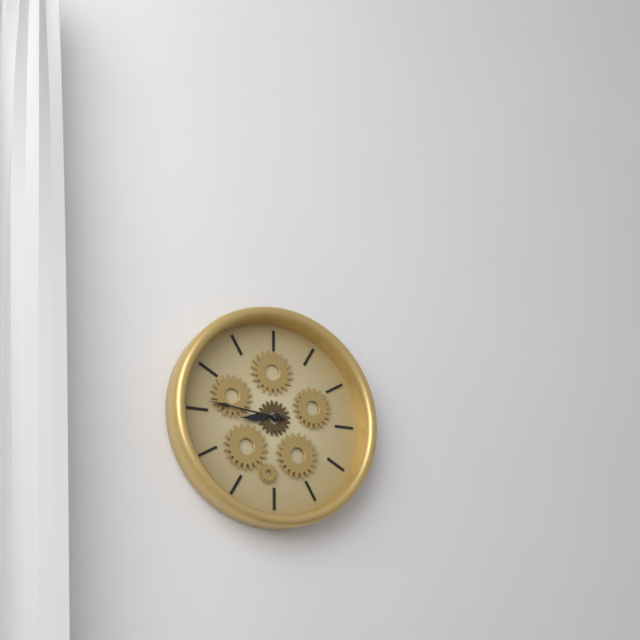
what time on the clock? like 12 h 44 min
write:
8 h 46 min
